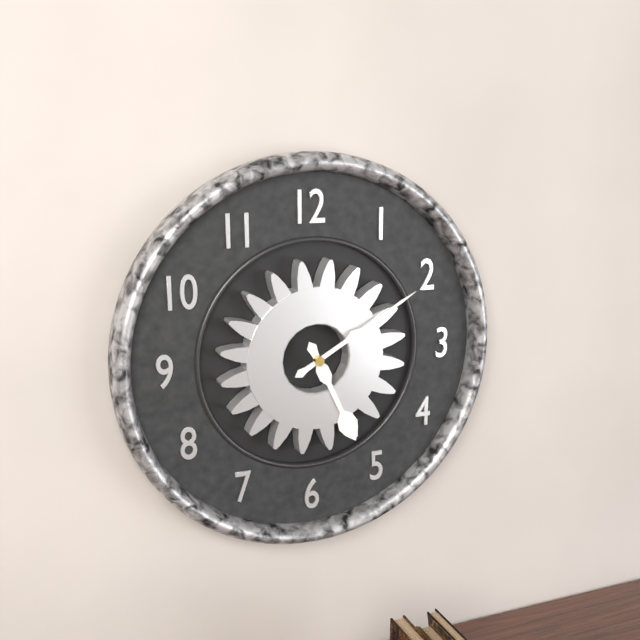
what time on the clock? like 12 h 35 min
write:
5 h 10 min
